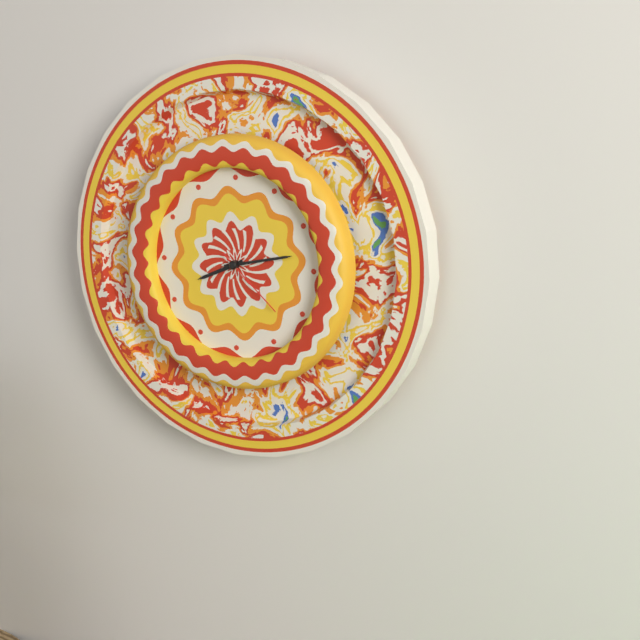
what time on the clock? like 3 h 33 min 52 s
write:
8 h 13 min 22 s
